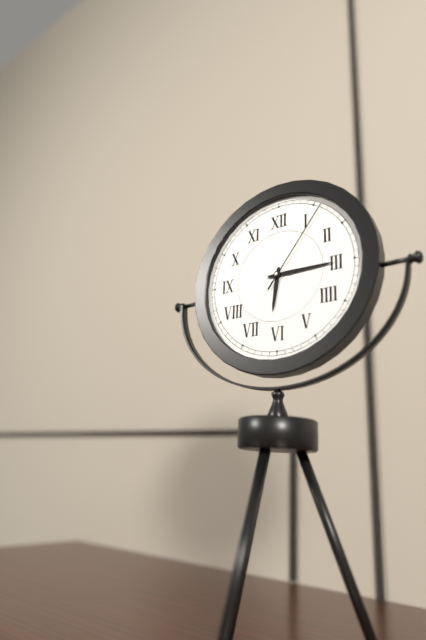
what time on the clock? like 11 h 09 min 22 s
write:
6 h 15 min 06 s
